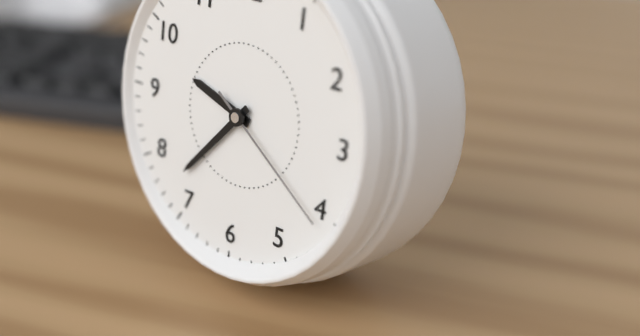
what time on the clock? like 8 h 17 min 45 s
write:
9 h 37 min 21 s
